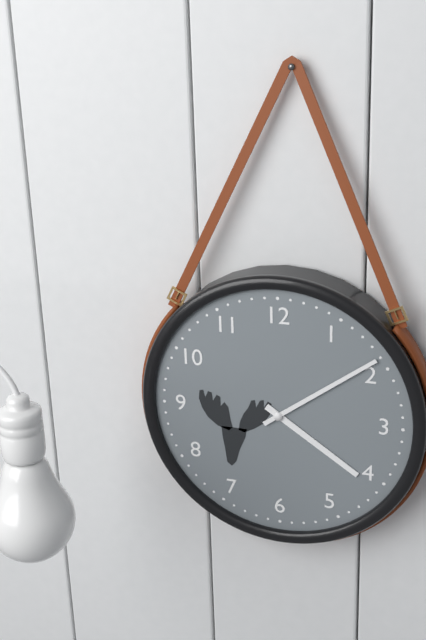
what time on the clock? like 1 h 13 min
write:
4 h 09 min
